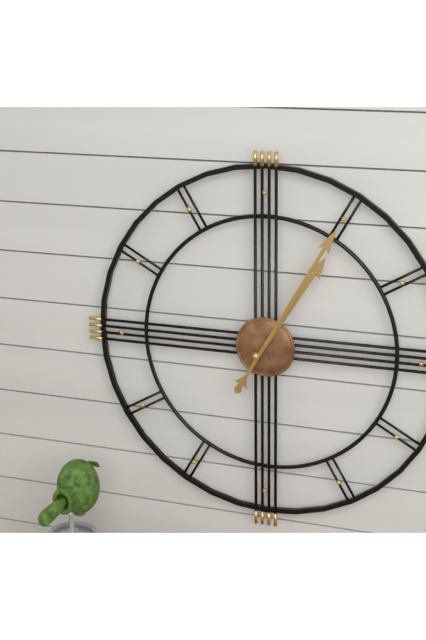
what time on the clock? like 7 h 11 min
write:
1 h 05 min
